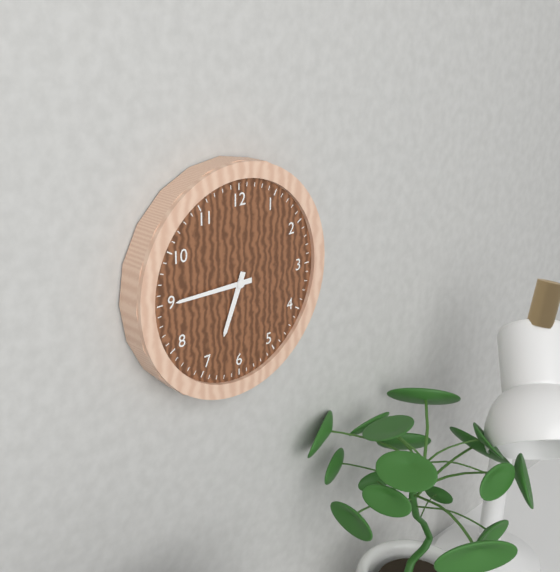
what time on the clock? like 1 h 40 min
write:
6 h 45 min
